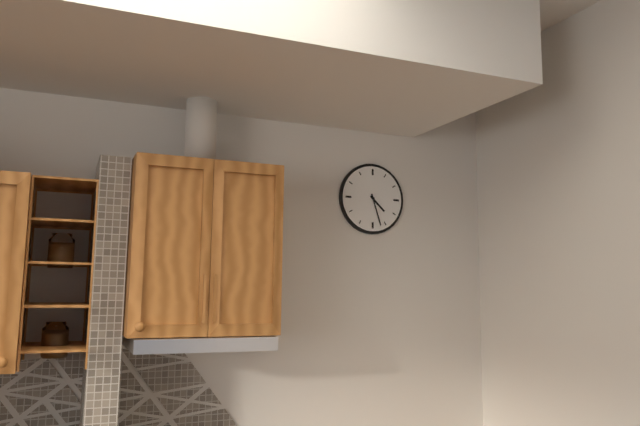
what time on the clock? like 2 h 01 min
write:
4 h 27 min
